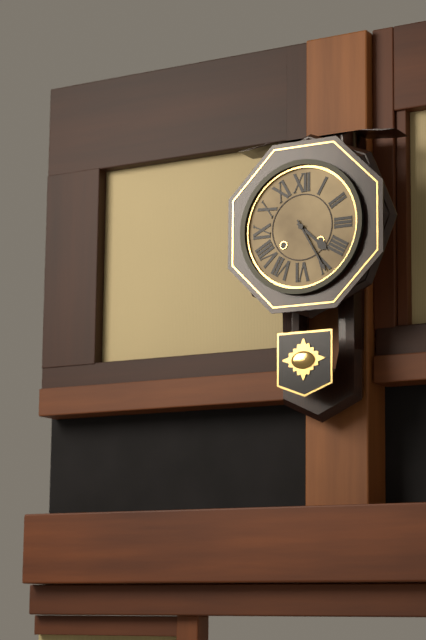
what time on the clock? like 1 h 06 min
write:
4 h 25 min
